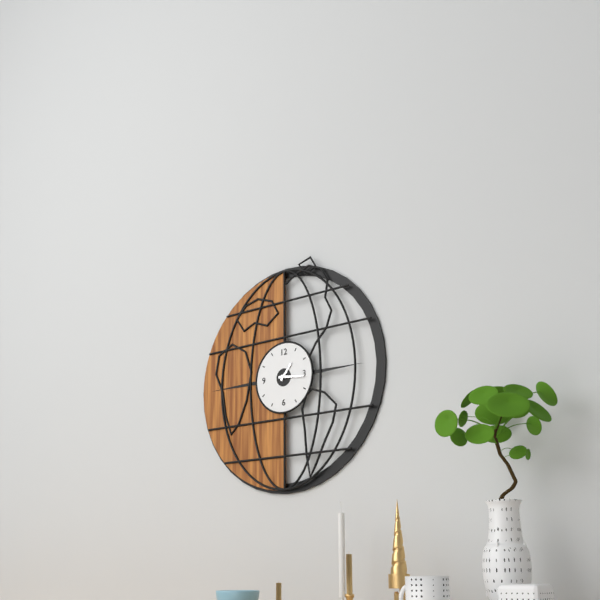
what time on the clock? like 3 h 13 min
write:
1 h 16 min
